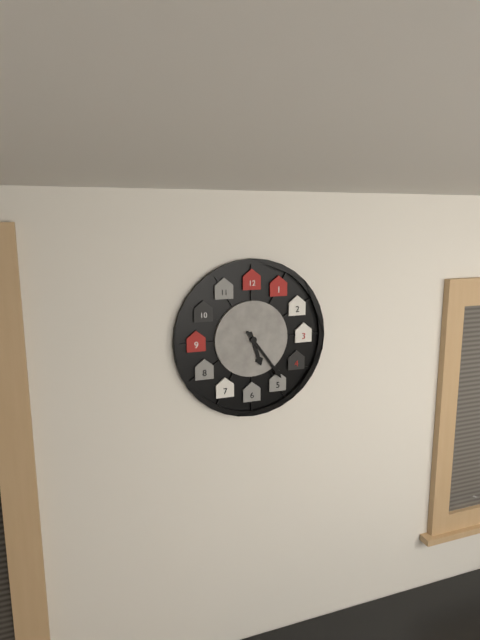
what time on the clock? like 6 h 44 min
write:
5 h 24 min
